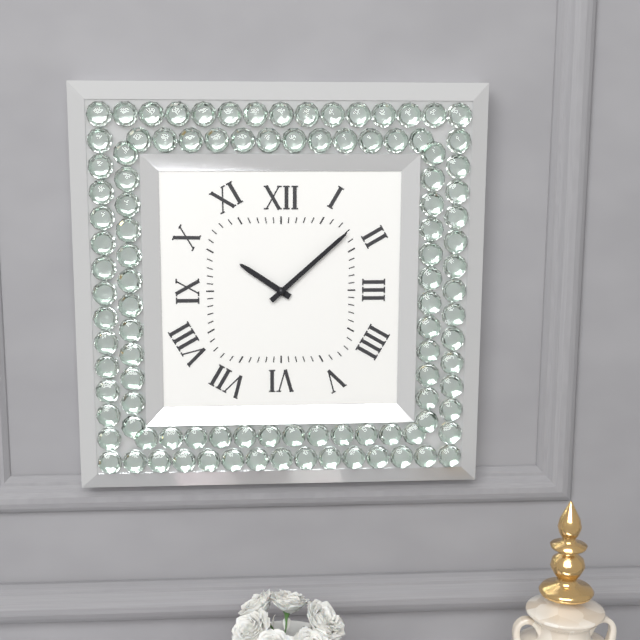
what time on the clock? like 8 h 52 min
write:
10 h 08 min
